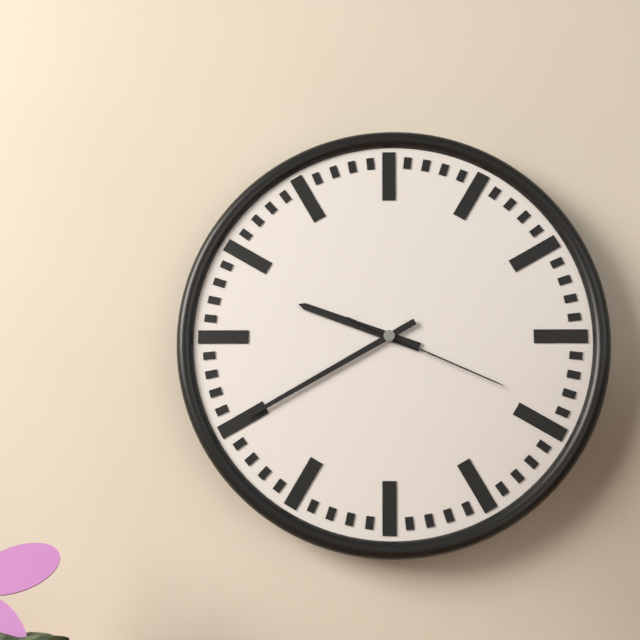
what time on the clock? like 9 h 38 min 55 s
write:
9 h 40 min 19 s
